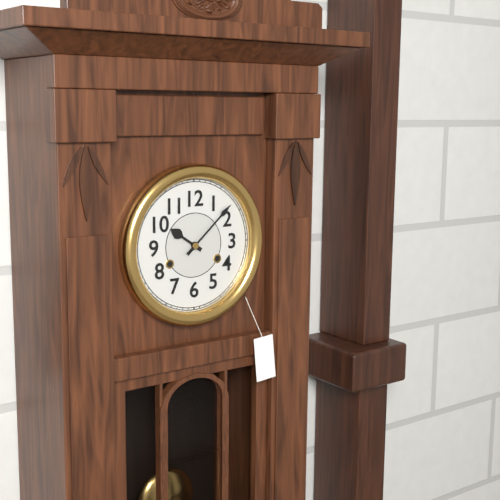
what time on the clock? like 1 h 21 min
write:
10 h 08 min
